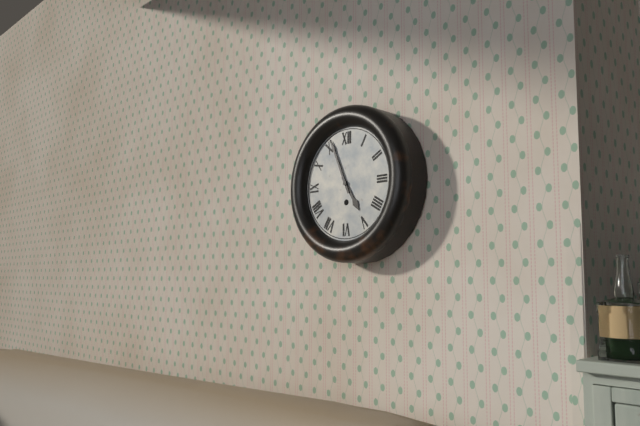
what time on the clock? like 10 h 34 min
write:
4 h 56 min
